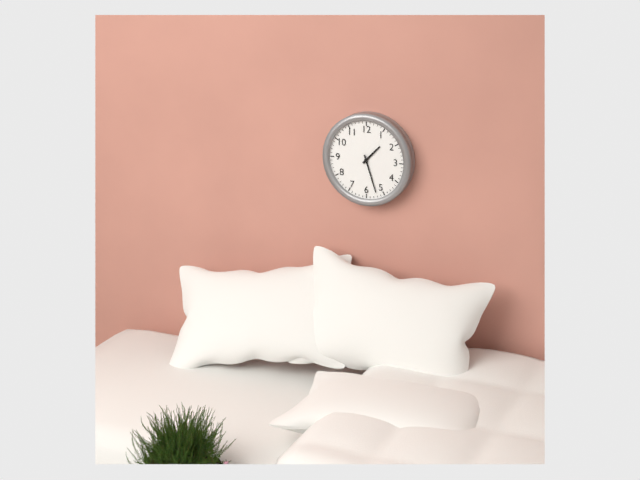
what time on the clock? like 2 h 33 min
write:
1 h 27 min
